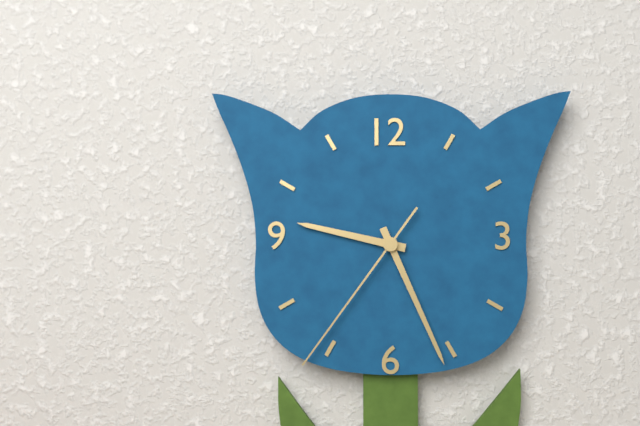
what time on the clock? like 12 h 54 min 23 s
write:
9 h 26 min 36 s
